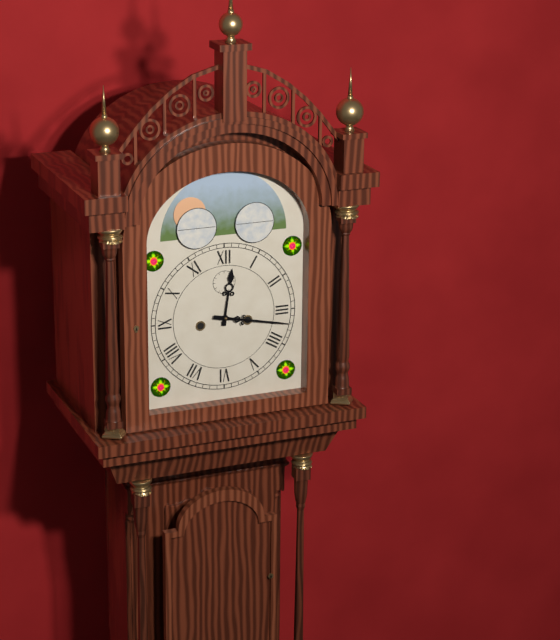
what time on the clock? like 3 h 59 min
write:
12 h 17 min
